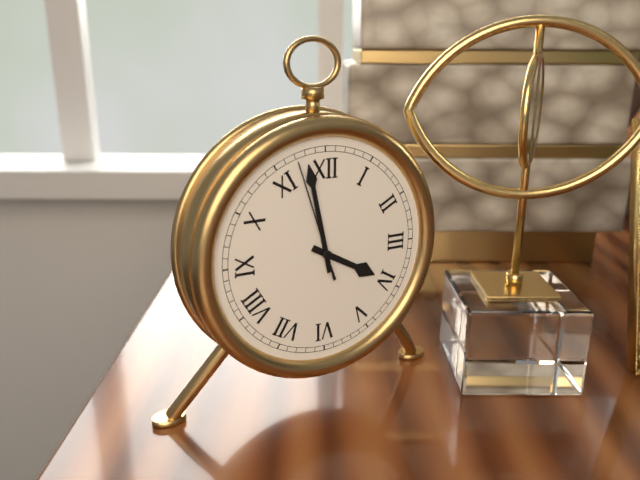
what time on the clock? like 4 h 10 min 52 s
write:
3 h 58 min 57 s
